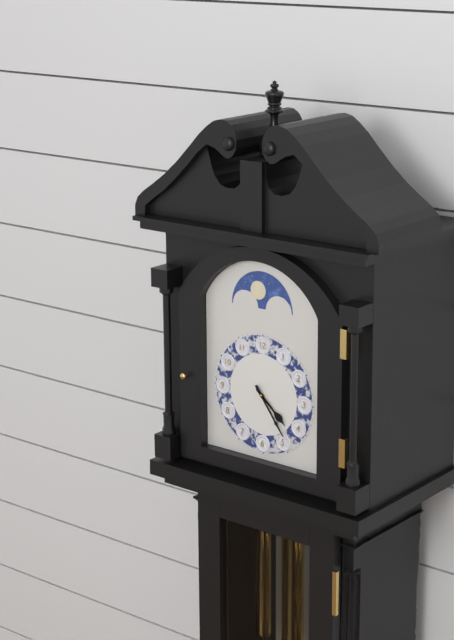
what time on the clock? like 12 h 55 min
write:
4 h 24 min
